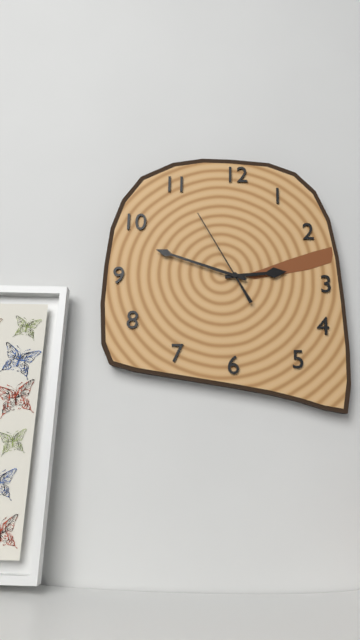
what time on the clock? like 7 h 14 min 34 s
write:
2 h 48 min 55 s
